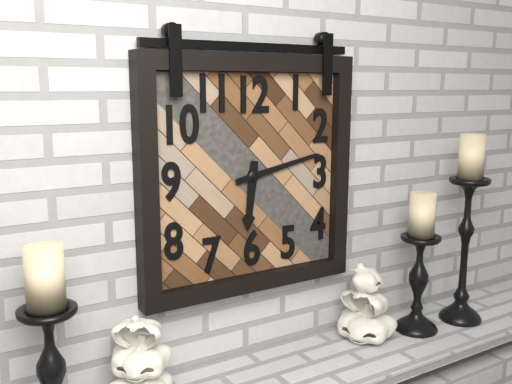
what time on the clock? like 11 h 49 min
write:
6 h 13 min
